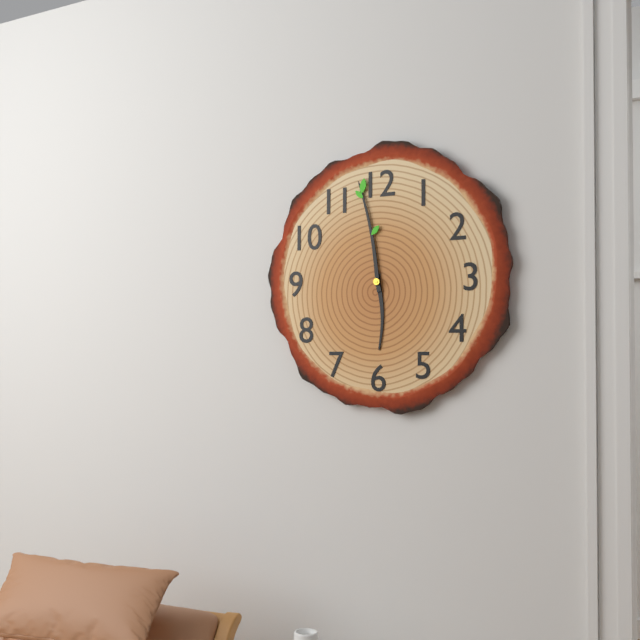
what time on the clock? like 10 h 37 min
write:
5 h 58 min
